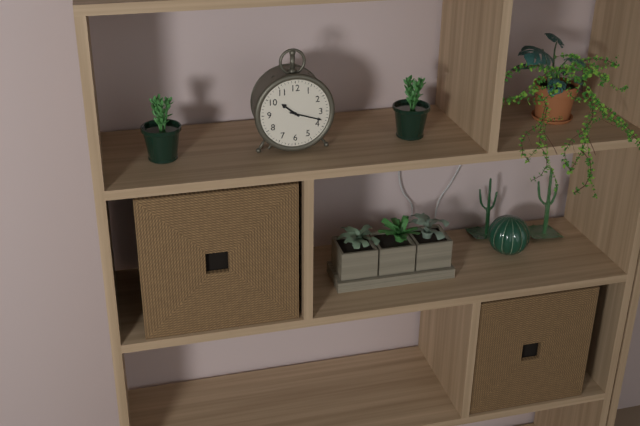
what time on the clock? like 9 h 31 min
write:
10 h 18 min
